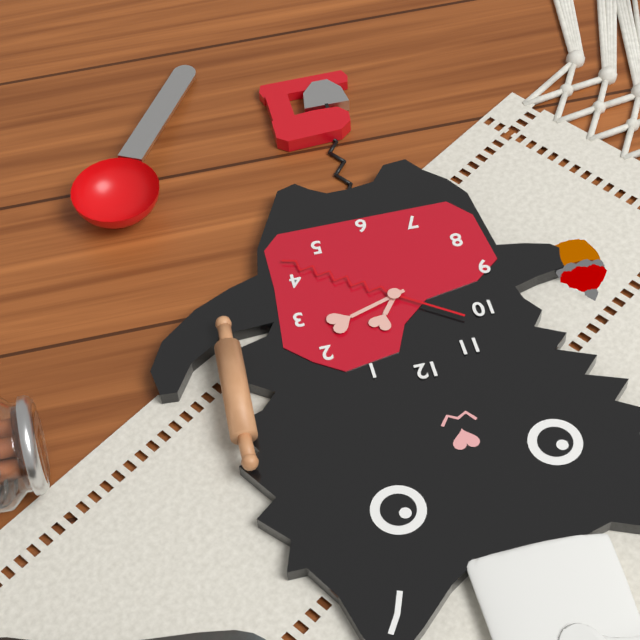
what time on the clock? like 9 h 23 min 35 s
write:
1 h 12 min 21 s
